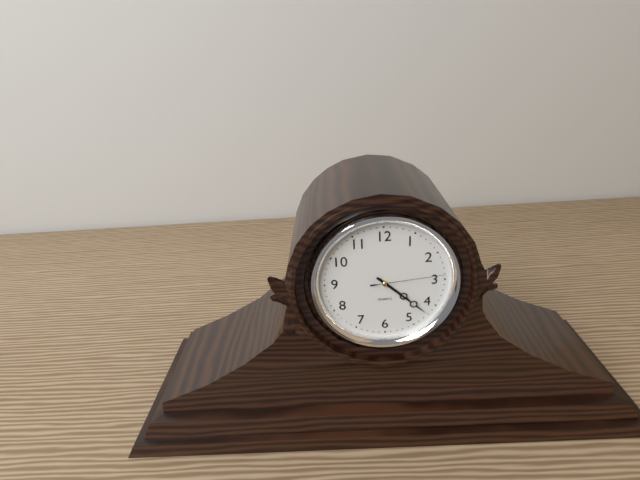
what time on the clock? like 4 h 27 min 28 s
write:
4 h 22 min 14 s
